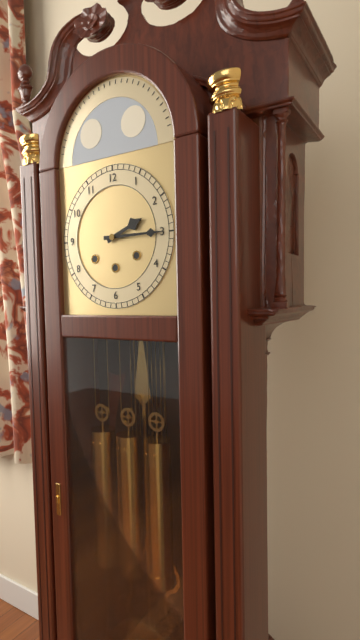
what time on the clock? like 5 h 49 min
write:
2 h 15 min
